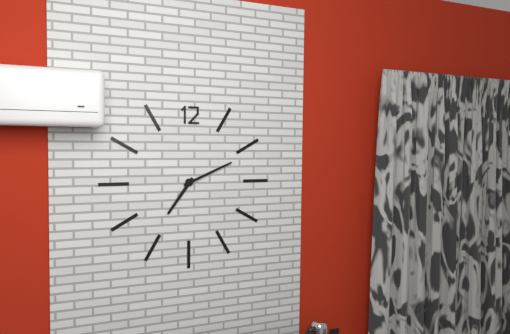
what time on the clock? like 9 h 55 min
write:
7 h 11 min
